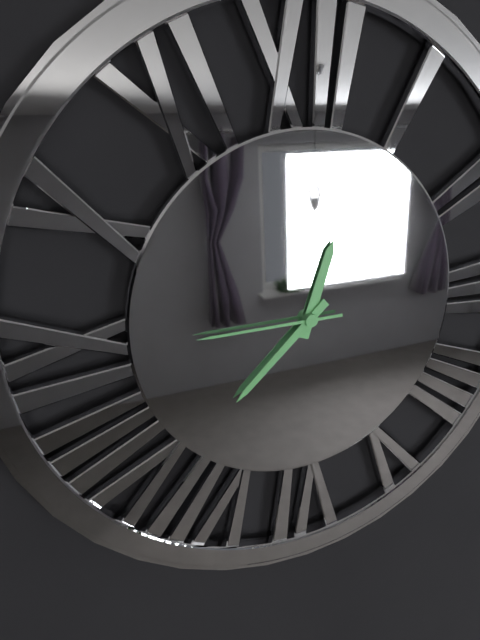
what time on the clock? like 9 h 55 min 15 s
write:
12 h 38 min 45 s
